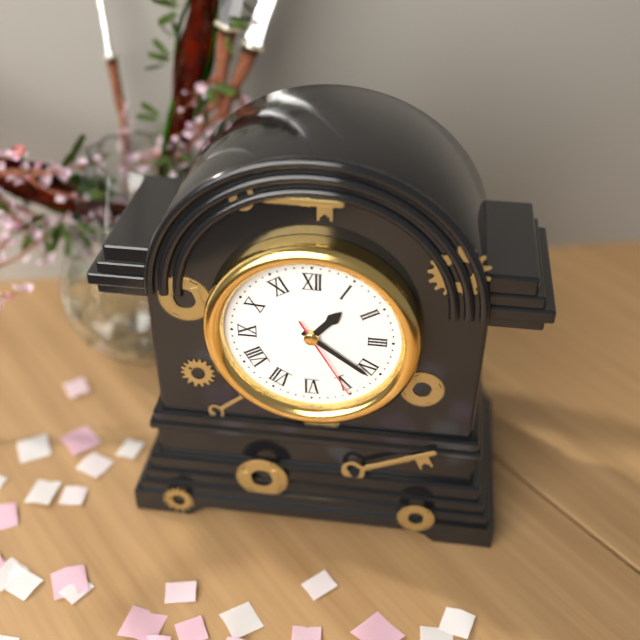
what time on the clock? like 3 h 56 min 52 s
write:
1 h 21 min 25 s
